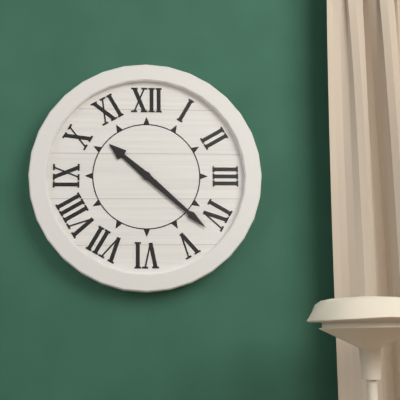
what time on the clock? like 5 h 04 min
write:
10 h 22 min
